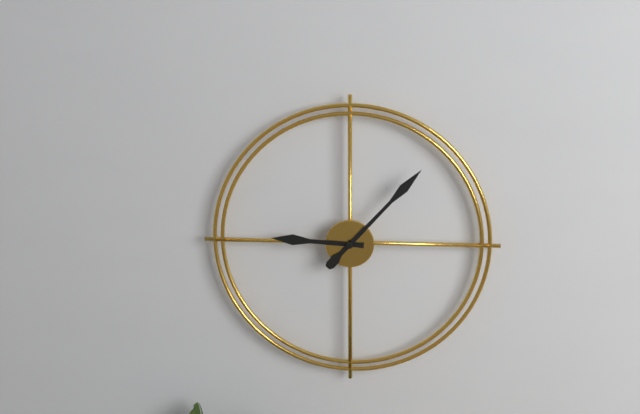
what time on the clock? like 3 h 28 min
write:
9 h 07 min
